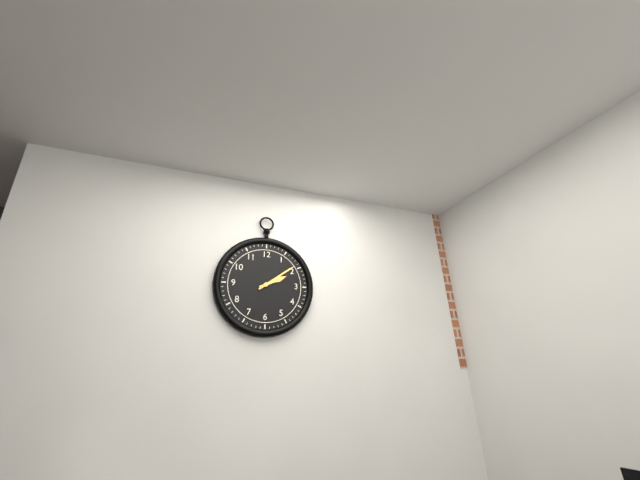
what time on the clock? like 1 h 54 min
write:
2 h 09 min
